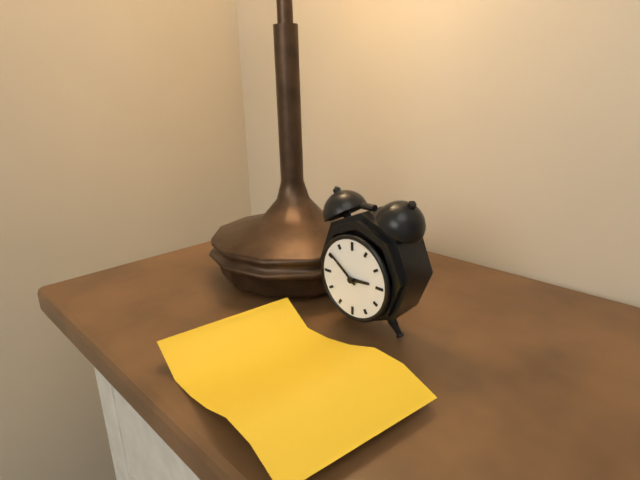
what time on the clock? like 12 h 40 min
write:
2 h 51 min
